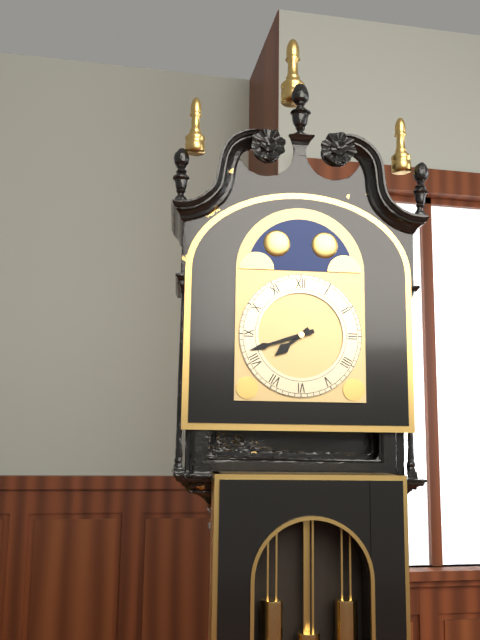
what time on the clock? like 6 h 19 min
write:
7 h 42 min
